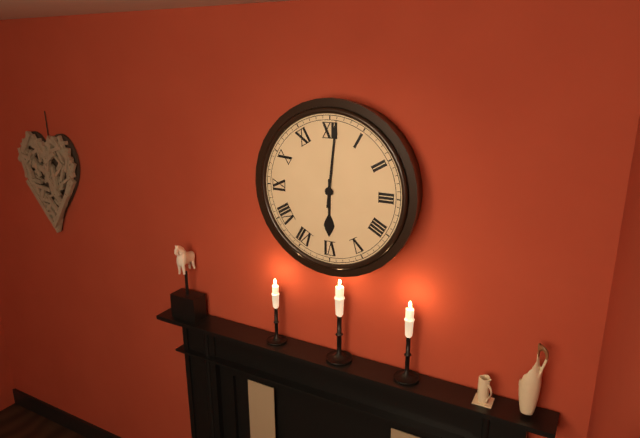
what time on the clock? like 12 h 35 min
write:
6 h 01 min
